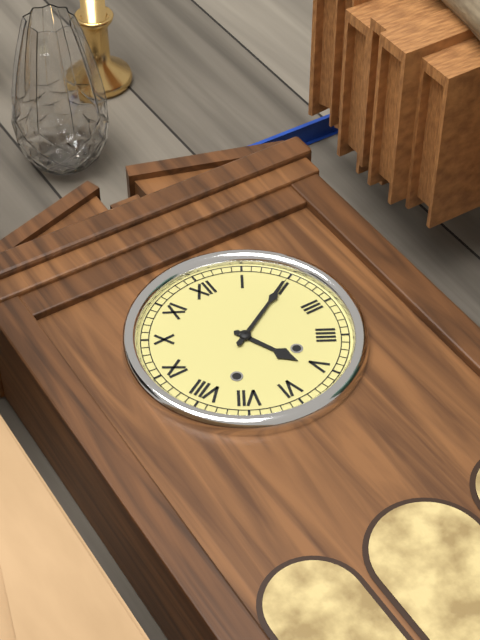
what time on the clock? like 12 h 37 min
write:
5 h 10 min
